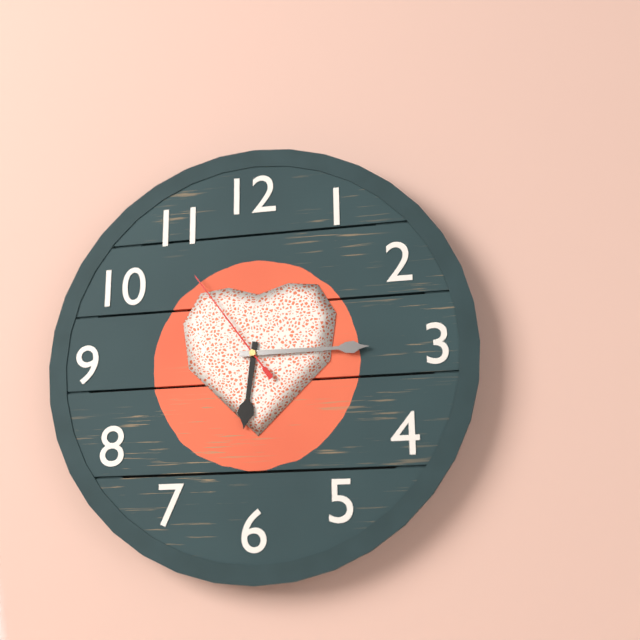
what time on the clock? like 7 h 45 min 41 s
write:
6 h 15 min 54 s
